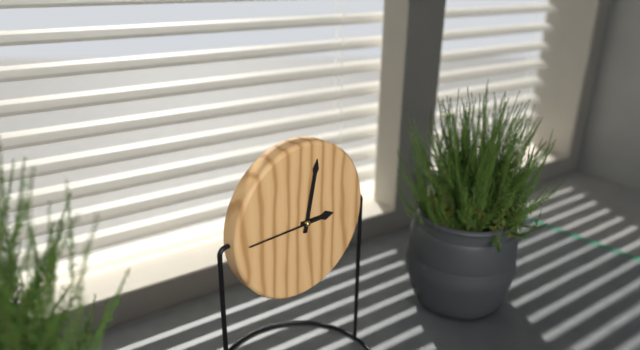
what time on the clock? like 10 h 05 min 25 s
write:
3 h 02 min 45 s
